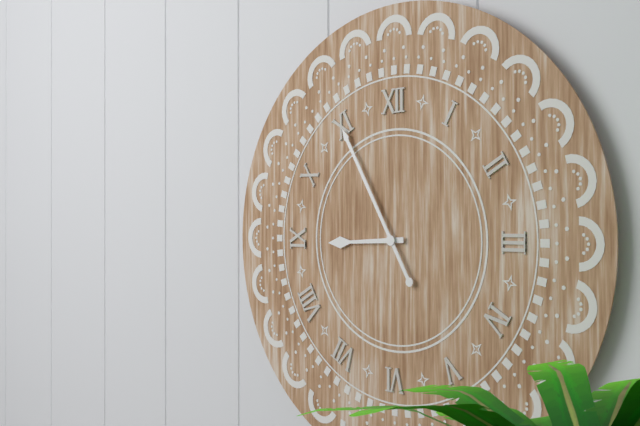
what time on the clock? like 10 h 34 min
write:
8 h 55 min
